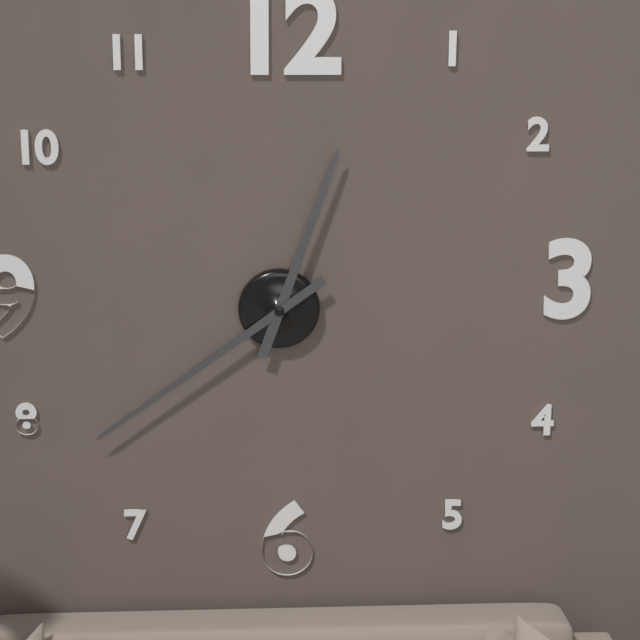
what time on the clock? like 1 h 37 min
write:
12 h 39 min
